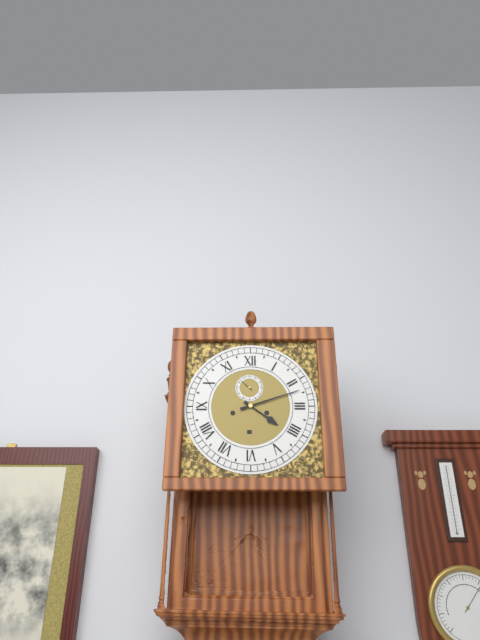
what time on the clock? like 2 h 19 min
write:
4 h 12 min
